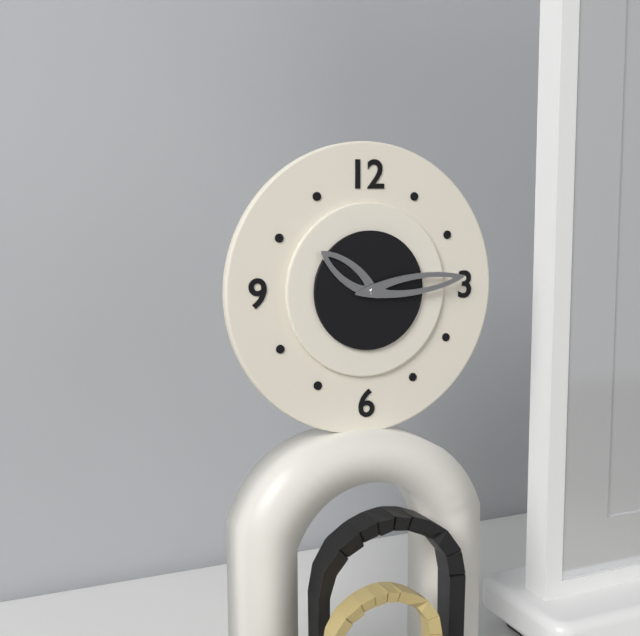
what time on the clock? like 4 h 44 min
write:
10 h 14 min
